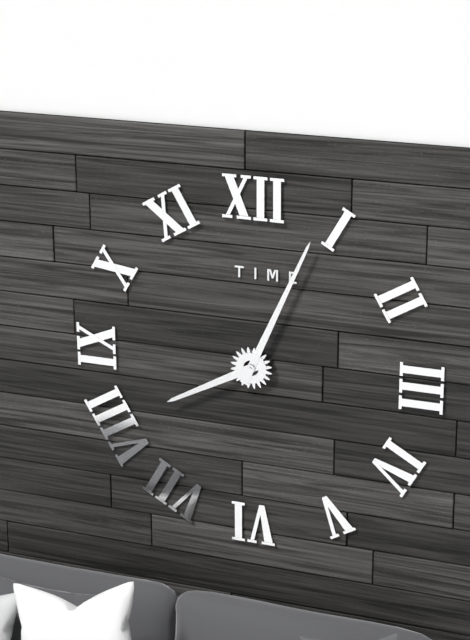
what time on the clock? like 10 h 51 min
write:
8 h 04 min
